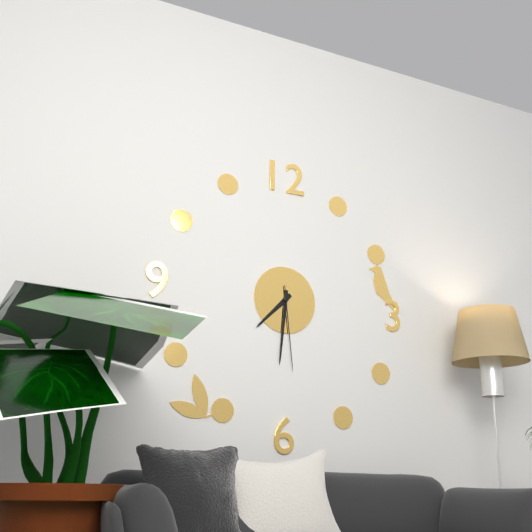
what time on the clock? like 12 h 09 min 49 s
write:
7 h 31 min 29 s
